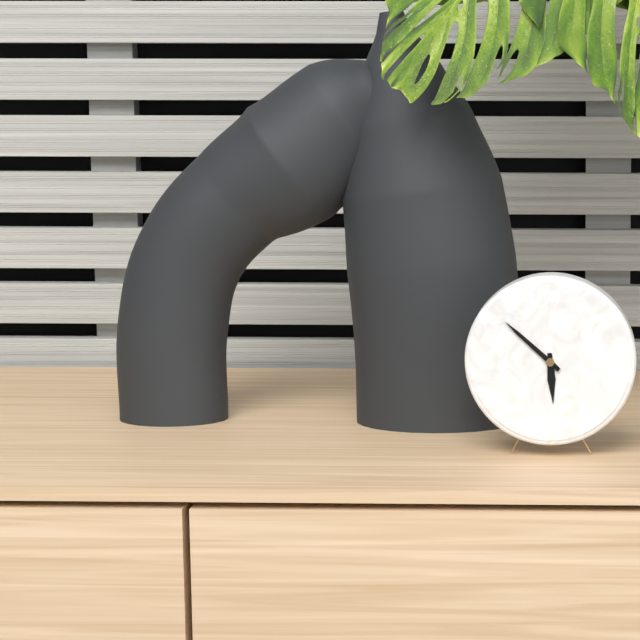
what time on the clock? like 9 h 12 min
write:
5 h 52 min
